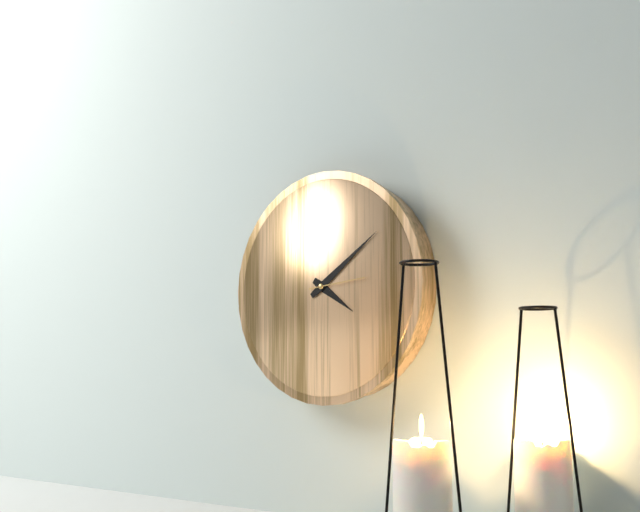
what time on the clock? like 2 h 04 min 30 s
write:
4 h 09 min 14 s
